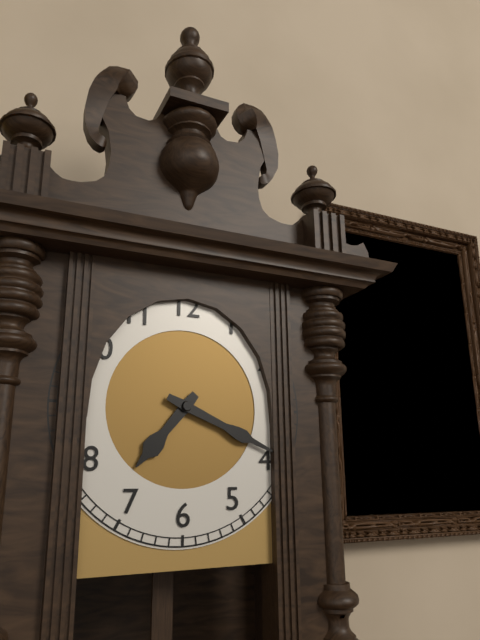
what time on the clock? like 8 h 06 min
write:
7 h 19 min
